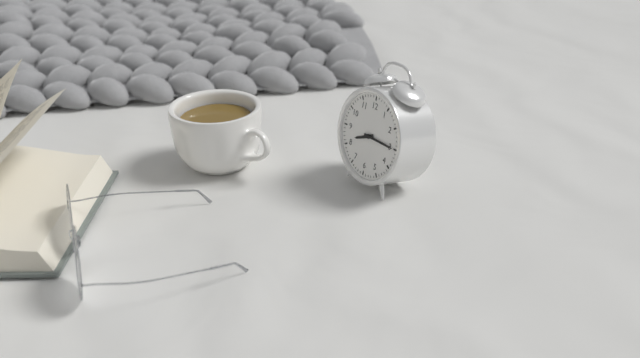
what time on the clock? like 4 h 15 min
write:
8 h 15 min
